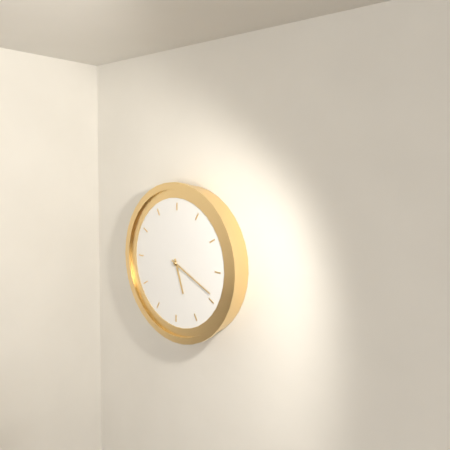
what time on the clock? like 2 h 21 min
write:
5 h 19 min
